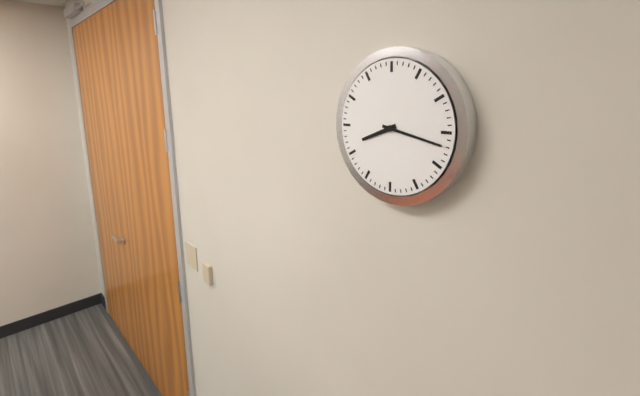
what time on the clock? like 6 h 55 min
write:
8 h 17 min
